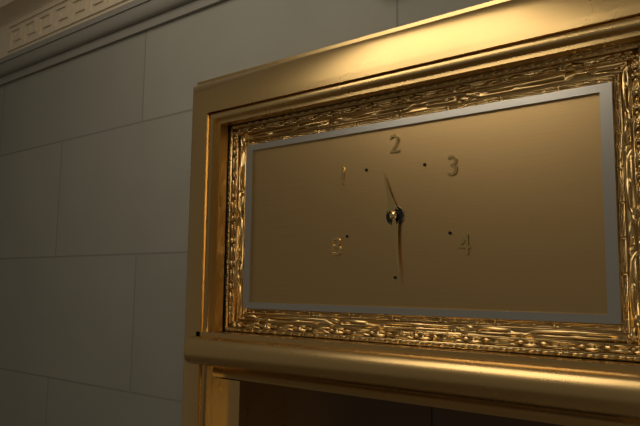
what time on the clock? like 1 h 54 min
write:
11 h 29 min
